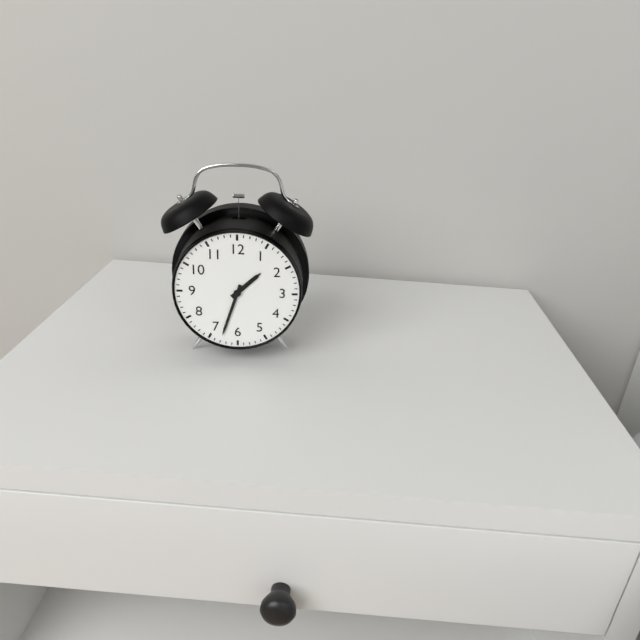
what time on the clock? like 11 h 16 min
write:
1 h 33 min
